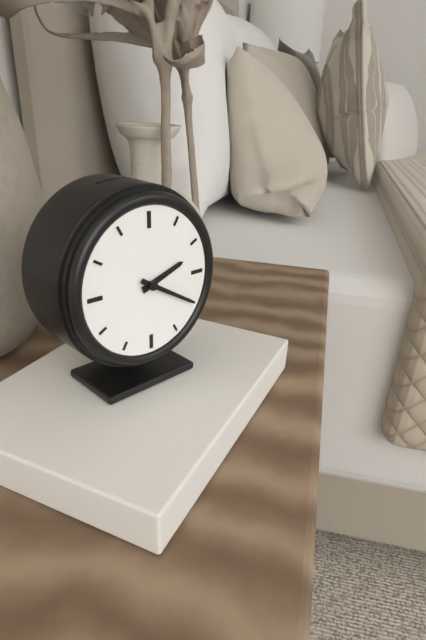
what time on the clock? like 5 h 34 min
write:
2 h 20 min
